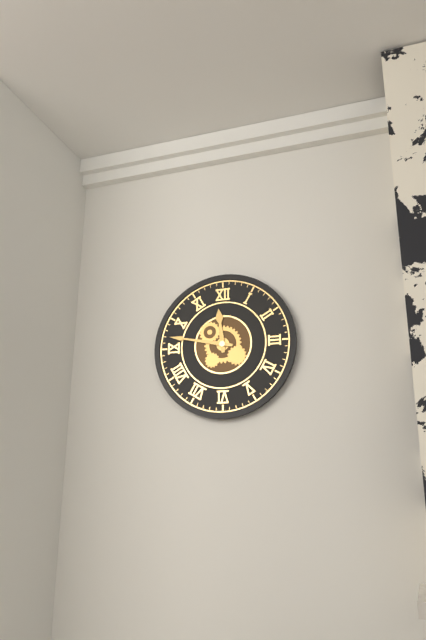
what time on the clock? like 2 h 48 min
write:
11 h 47 min
